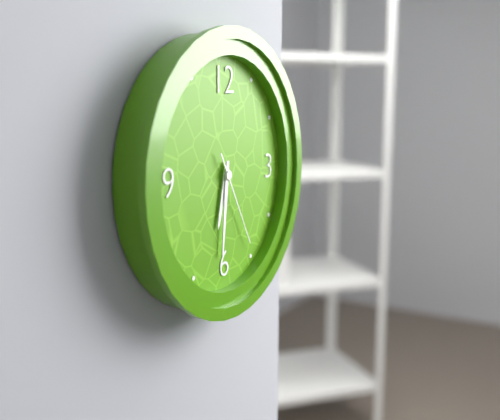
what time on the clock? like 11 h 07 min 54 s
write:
6 h 31 min 25 s
